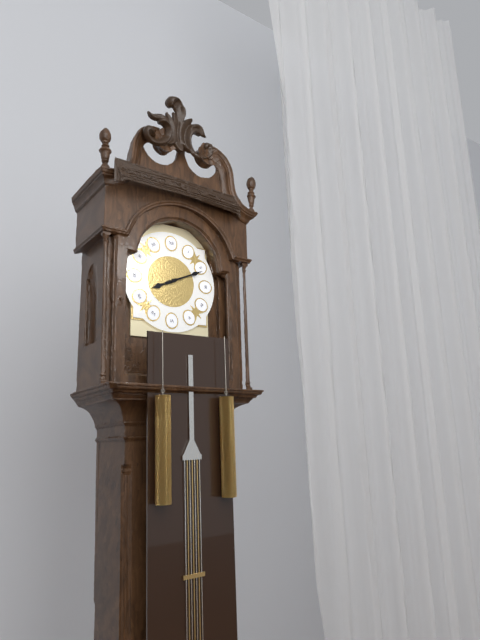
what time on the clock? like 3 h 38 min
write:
8 h 11 min
